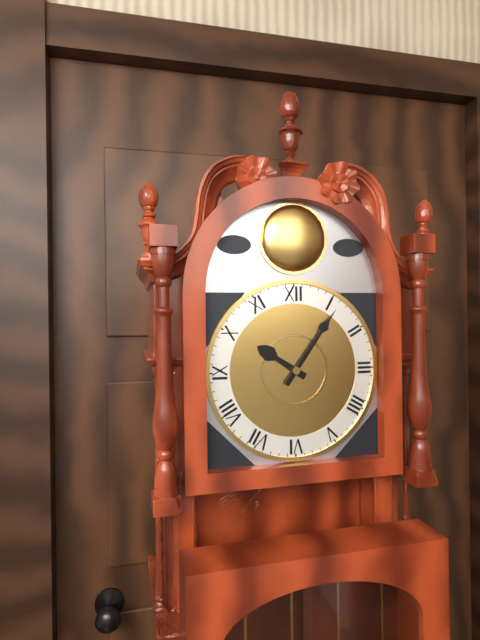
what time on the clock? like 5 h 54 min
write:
10 h 06 min
